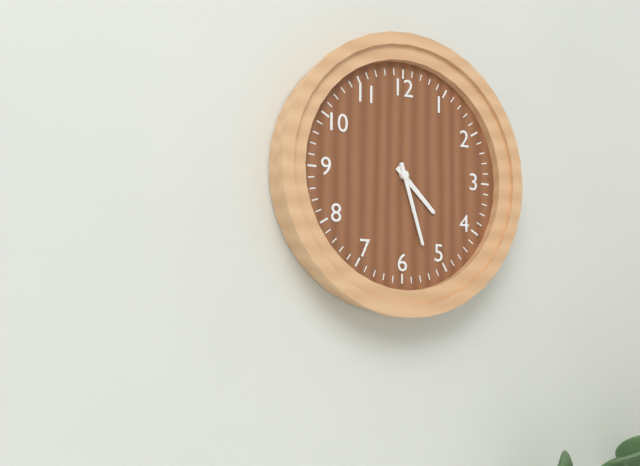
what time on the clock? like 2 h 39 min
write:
4 h 27 min
